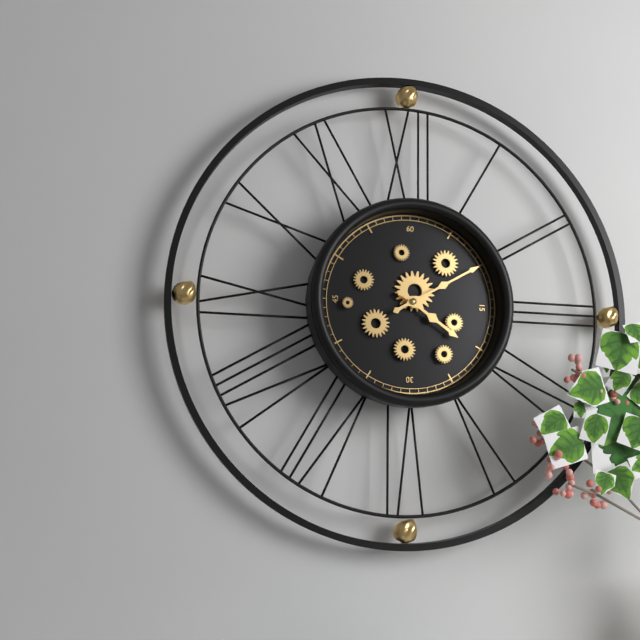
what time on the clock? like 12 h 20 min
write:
4 h 10 min
